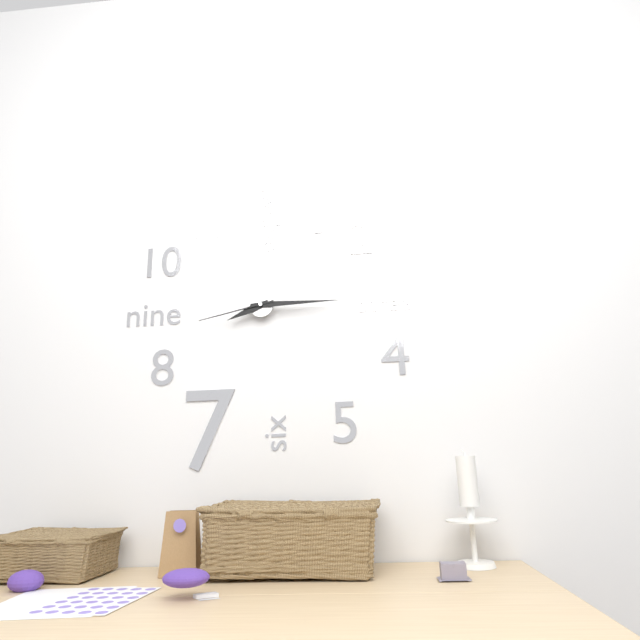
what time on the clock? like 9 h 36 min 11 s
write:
8 h 15 min 43 s
